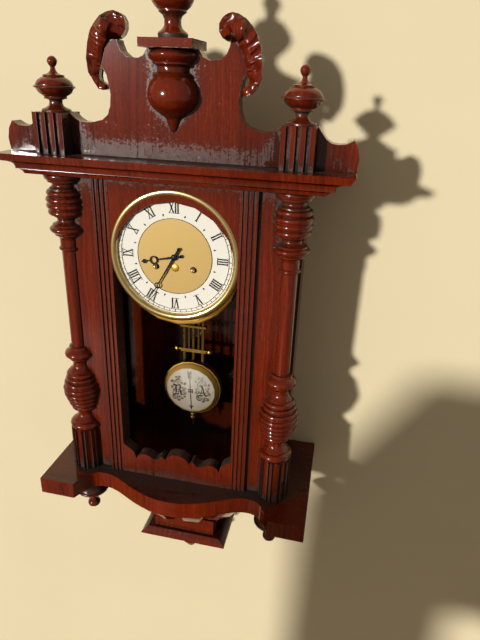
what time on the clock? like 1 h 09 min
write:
8 h 35 min
